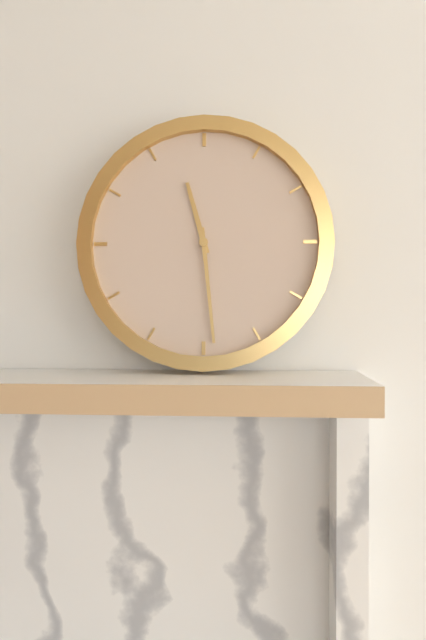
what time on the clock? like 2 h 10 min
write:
11 h 29 min
